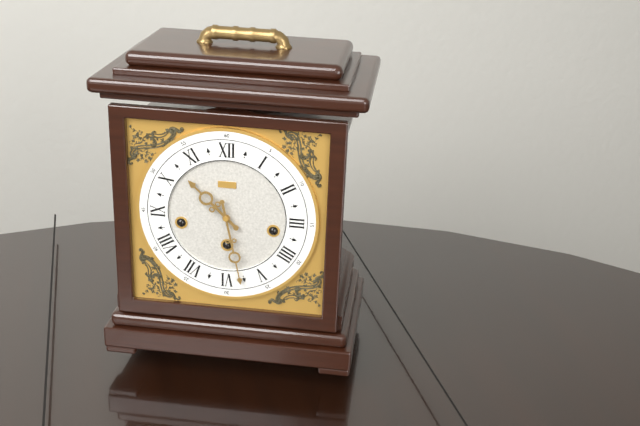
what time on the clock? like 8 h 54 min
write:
10 h 28 min
